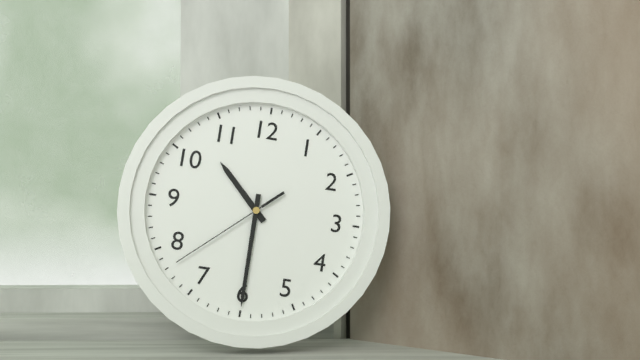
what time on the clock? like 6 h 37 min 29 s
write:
10 h 30 min 38 s
